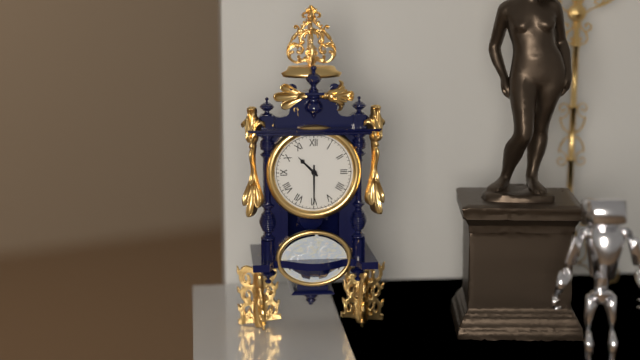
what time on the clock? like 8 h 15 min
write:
10 h 30 min
